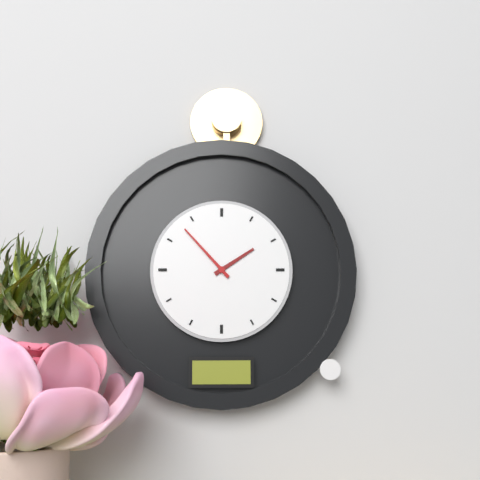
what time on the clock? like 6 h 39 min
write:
1 h 53 min
